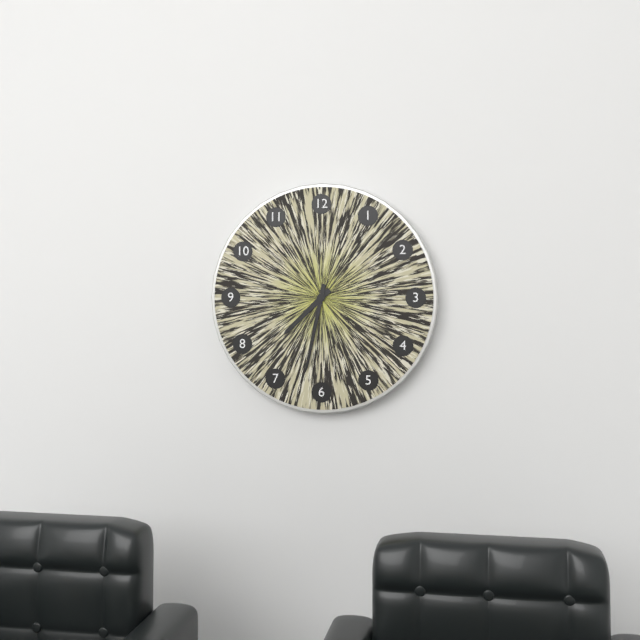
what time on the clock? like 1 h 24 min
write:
7 h 32 min
